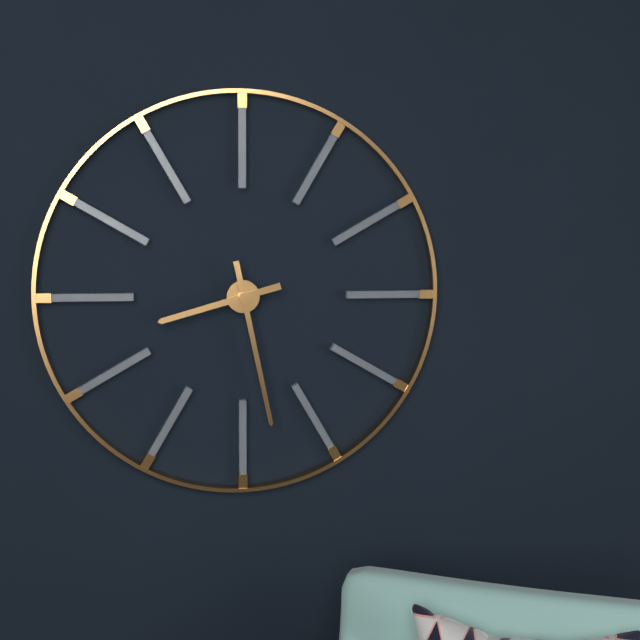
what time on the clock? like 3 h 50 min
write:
8 h 28 min
